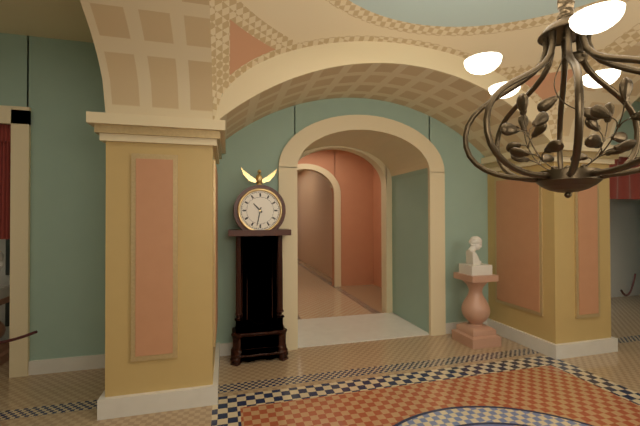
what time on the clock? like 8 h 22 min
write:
10 h 32 min
